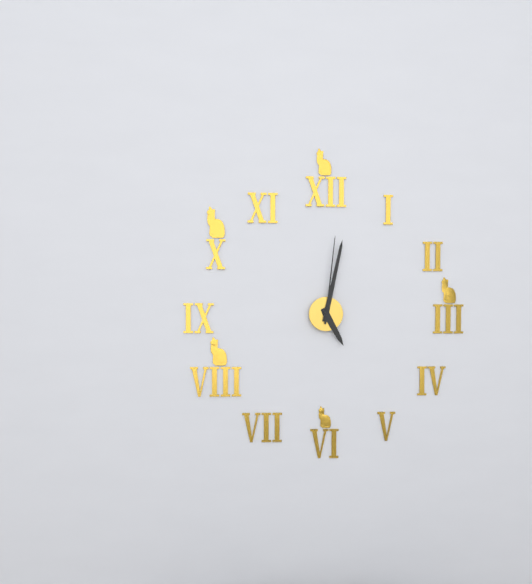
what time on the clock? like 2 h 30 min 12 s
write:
5 h 02 min 01 s
